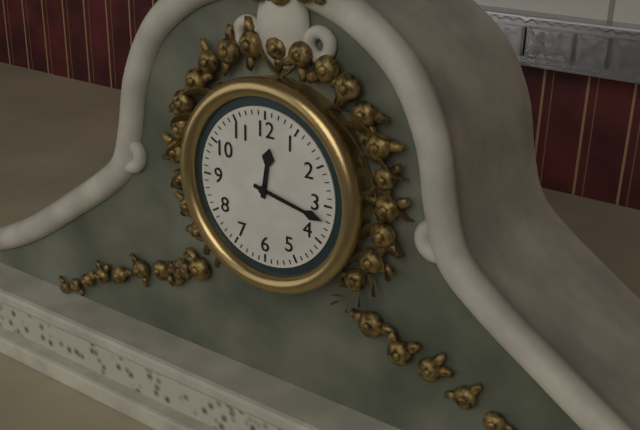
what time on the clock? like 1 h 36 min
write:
12 h 17 min
